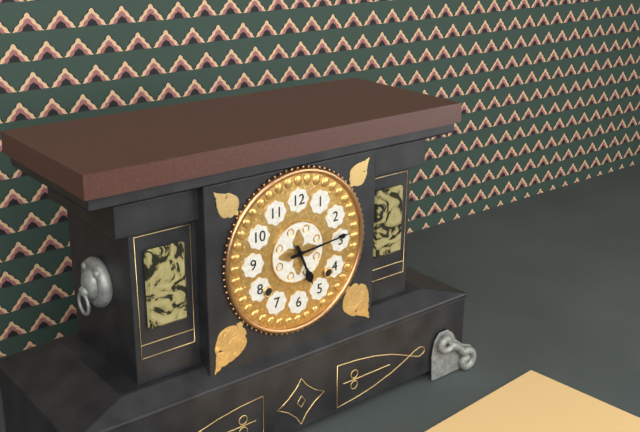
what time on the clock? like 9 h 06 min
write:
5 h 14 min
